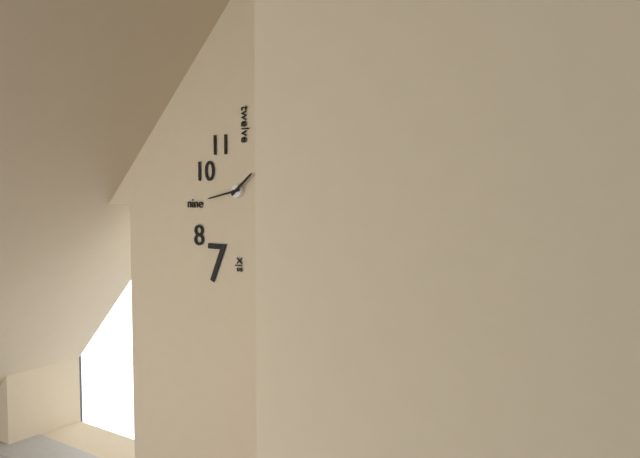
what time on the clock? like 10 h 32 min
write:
1 h 43 min
